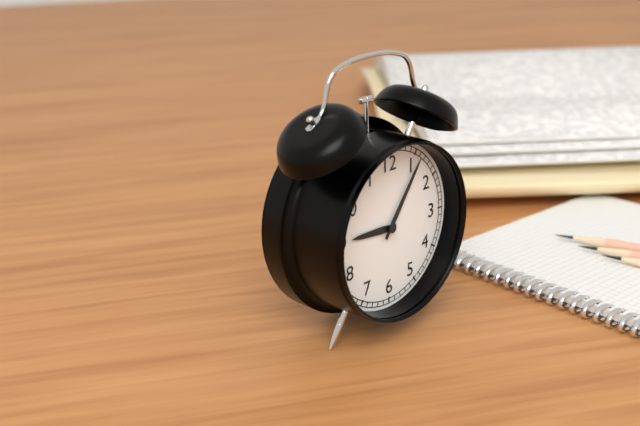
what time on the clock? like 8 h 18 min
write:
9 h 06 min
